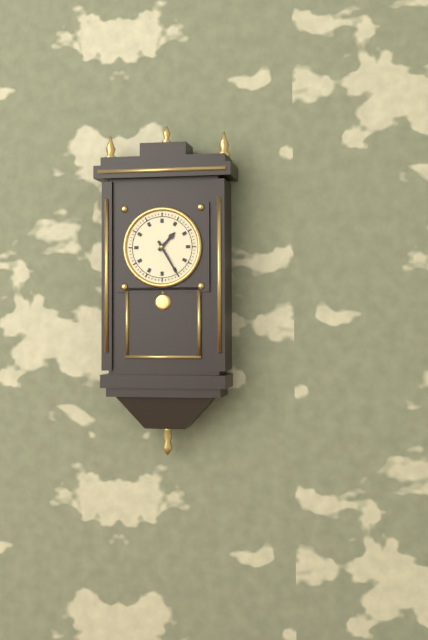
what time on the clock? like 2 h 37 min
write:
1 h 25 min
